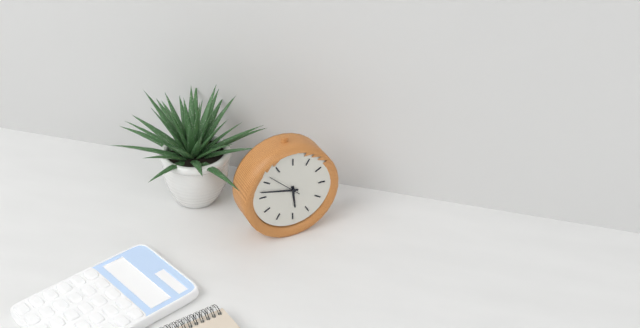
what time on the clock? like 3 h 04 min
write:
5 h 47 min
